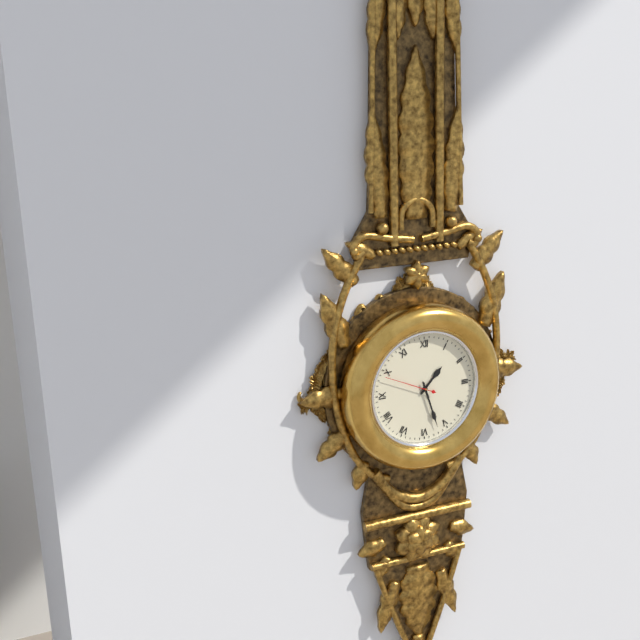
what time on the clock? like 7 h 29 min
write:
1 h 27 min
